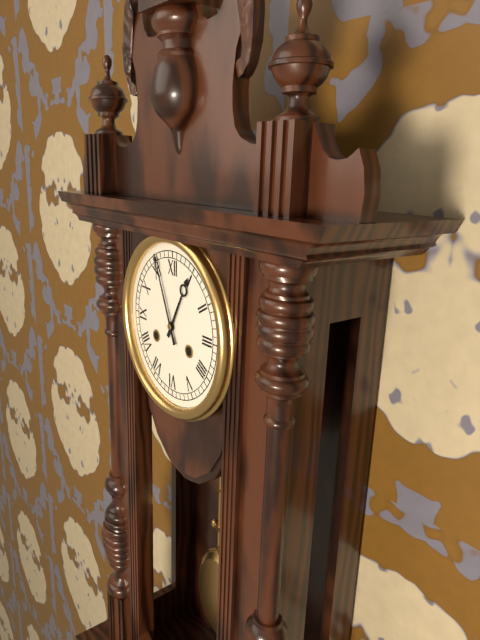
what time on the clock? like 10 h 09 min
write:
12 h 56 min
